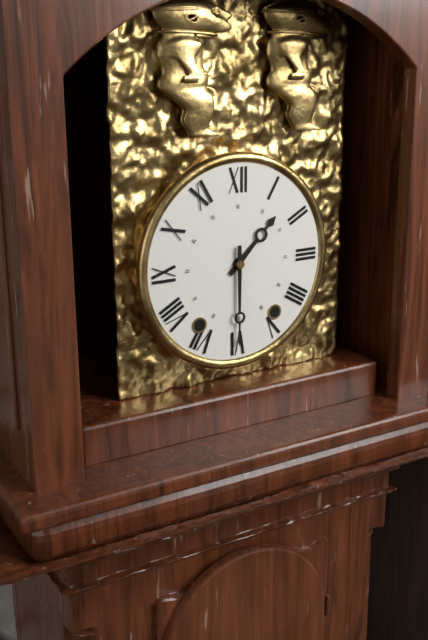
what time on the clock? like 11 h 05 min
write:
1 h 30 min
